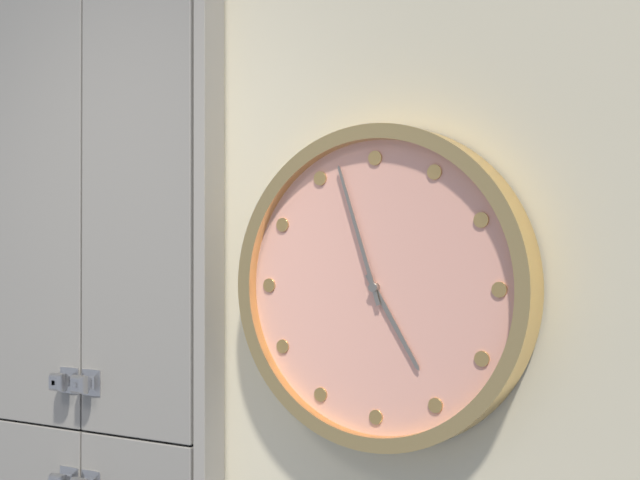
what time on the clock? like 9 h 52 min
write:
4 h 57 min
